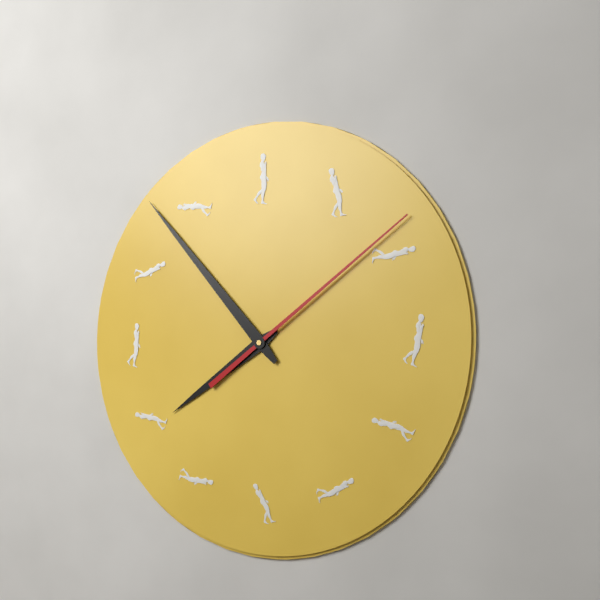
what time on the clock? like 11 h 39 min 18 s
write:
7 h 53 min 09 s
